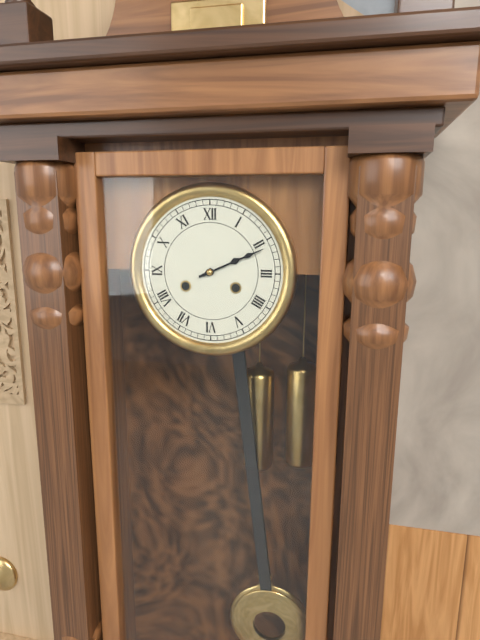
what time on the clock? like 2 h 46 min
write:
2 h 11 min
